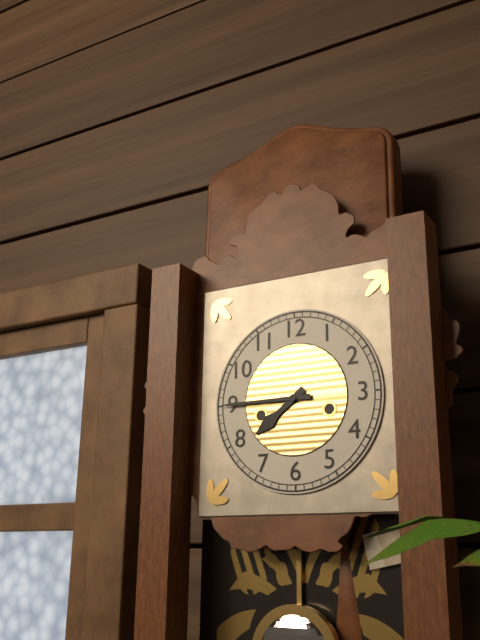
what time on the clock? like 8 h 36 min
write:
7 h 45 min
